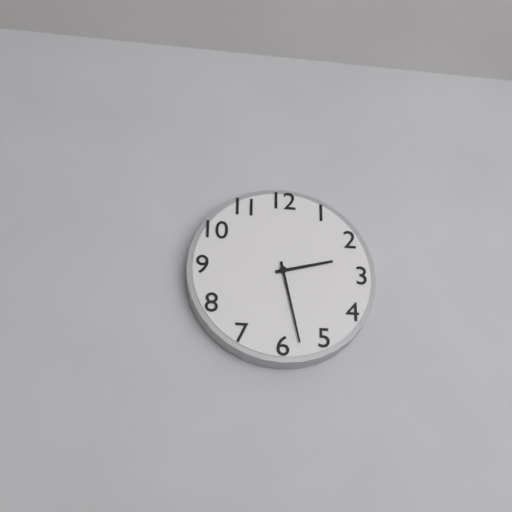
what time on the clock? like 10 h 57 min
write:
2 h 28 min
